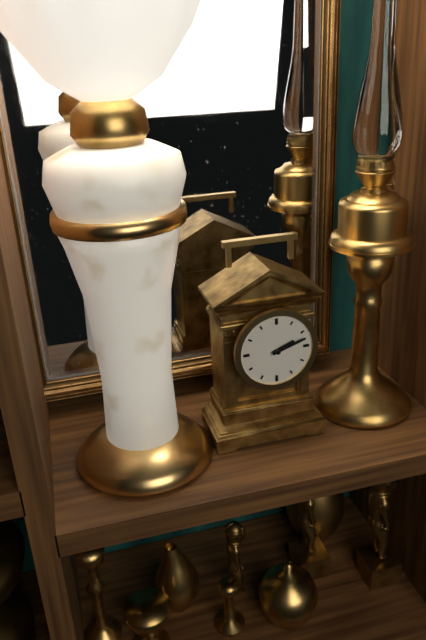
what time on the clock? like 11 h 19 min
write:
2 h 12 min
